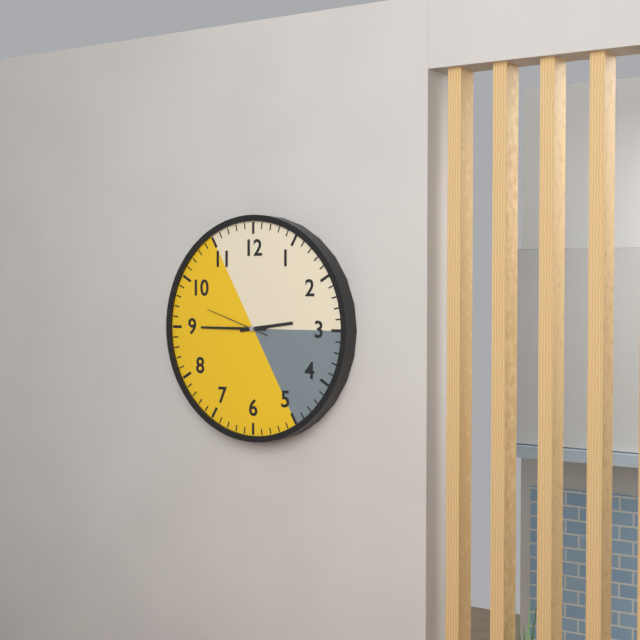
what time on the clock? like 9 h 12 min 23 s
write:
2 h 45 min 48 s
